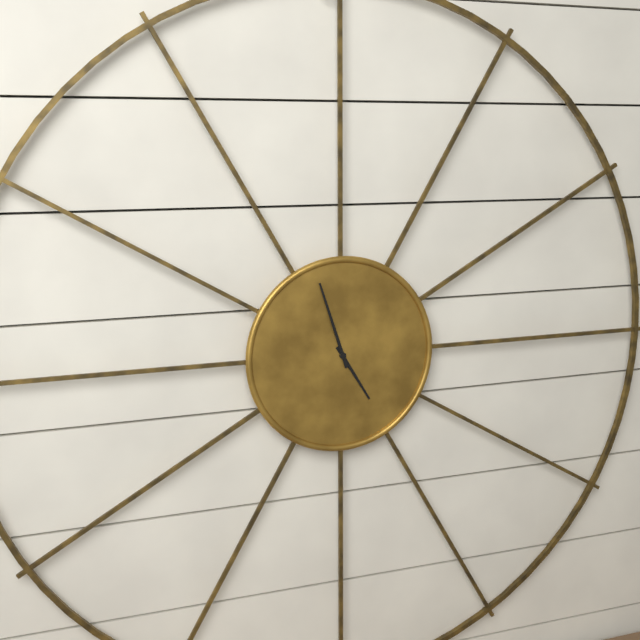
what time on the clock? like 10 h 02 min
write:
4 h 57 min
